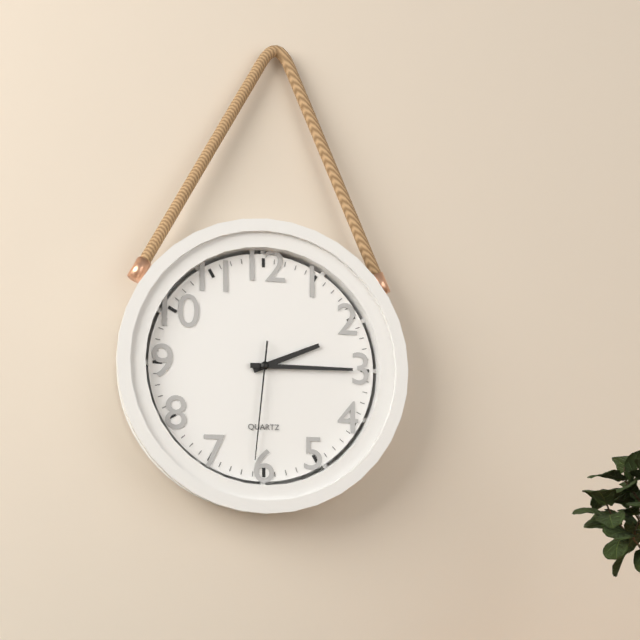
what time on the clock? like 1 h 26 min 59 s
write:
2 h 15 min 31 s
